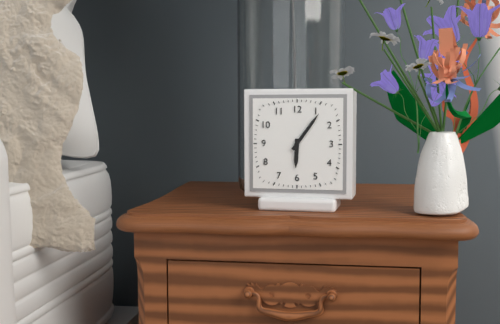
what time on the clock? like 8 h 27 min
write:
6 h 06 min
